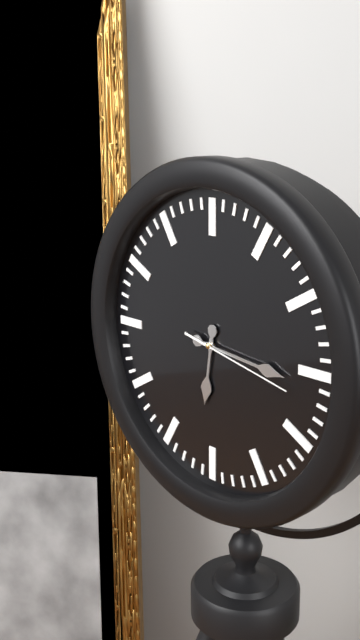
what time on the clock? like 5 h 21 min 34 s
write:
6 h 16 min 17 s
